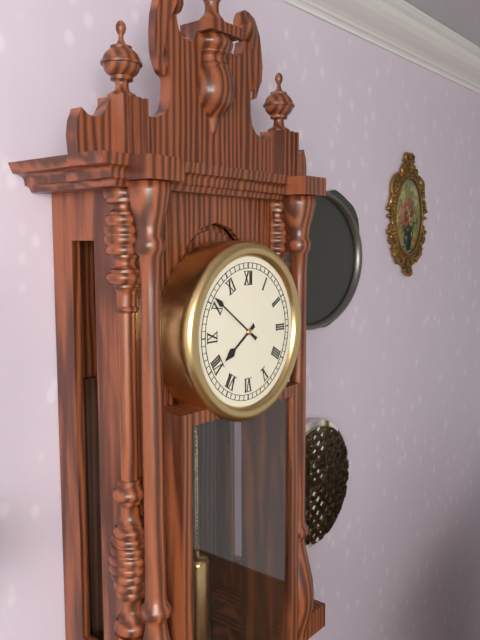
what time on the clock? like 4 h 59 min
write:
7 h 51 min
